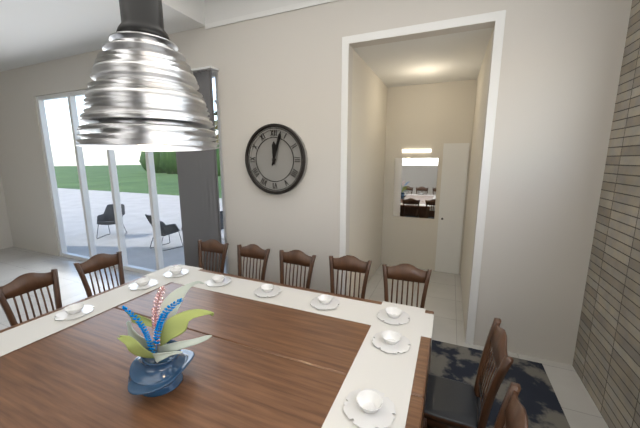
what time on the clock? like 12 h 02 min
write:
12 h 03 min
